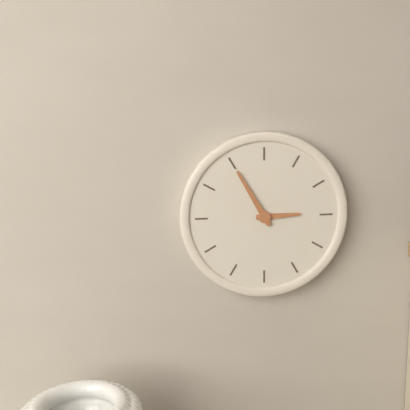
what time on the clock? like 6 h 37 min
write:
2 h 55 min
